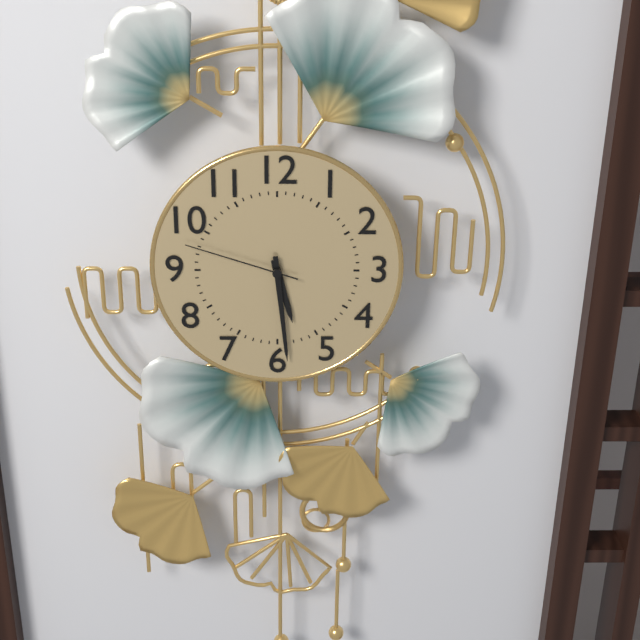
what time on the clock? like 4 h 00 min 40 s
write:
5 h 29 min 48 s
